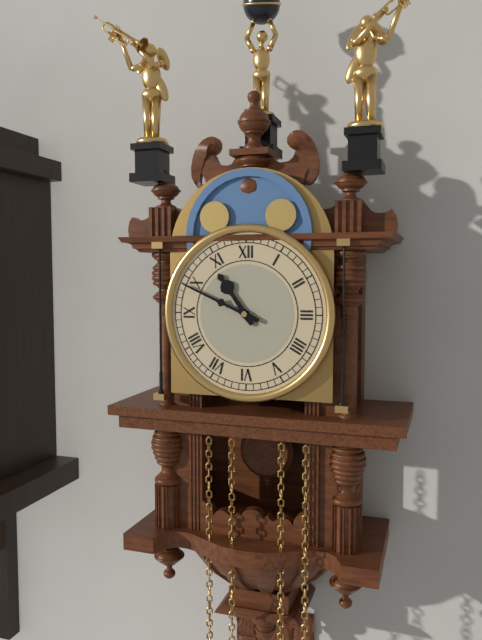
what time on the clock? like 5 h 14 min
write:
10 h 49 min
